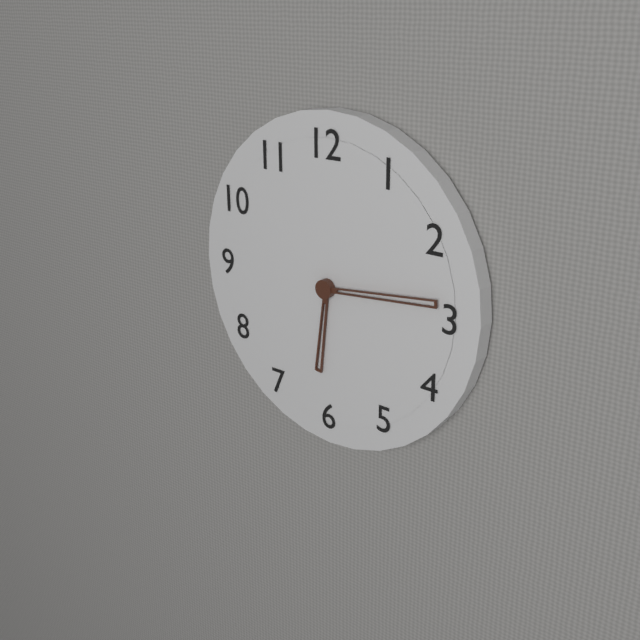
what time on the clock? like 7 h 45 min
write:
6 h 14 min
